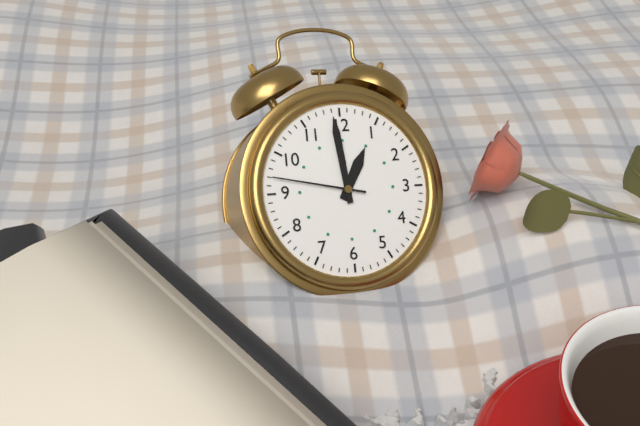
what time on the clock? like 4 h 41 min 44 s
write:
12 h 59 min 47 s
